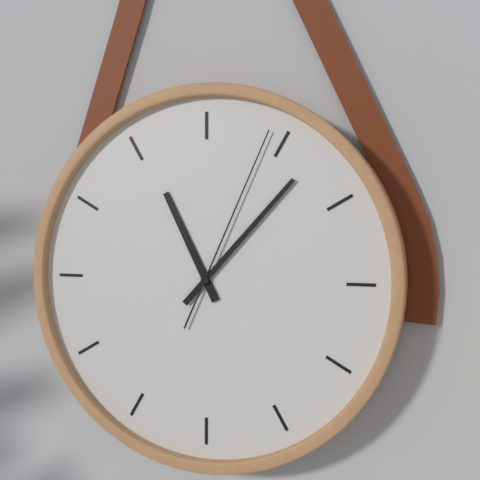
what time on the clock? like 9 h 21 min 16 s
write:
11 h 07 min 04 s
